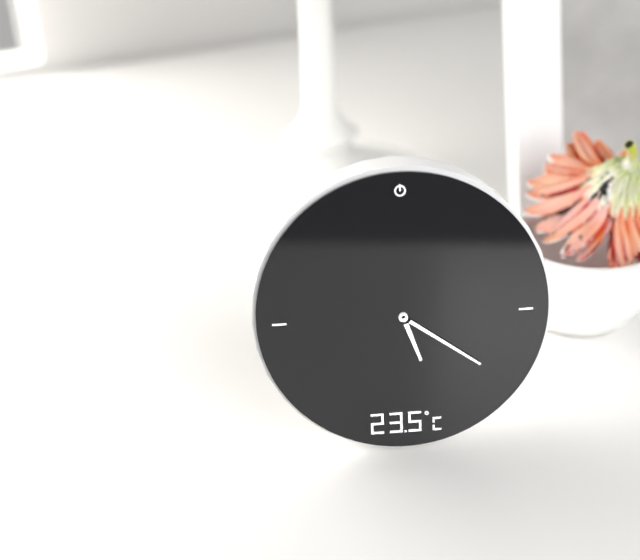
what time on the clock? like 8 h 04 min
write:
5 h 21 min
